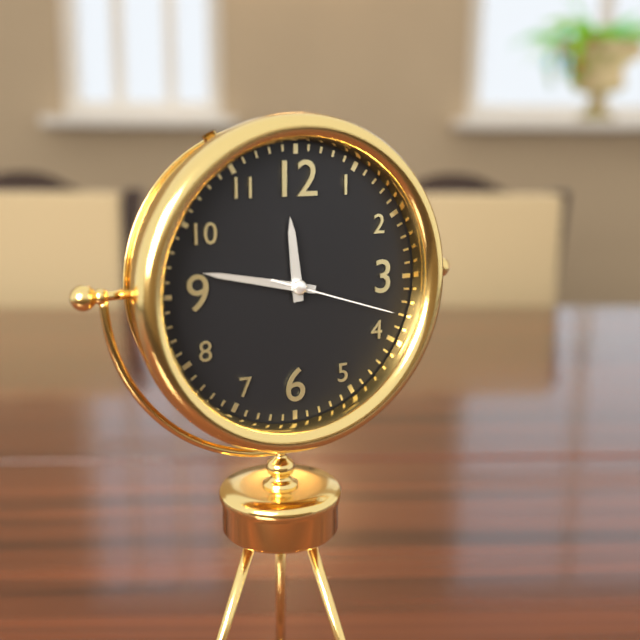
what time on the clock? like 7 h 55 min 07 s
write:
11 h 47 min 18 s
